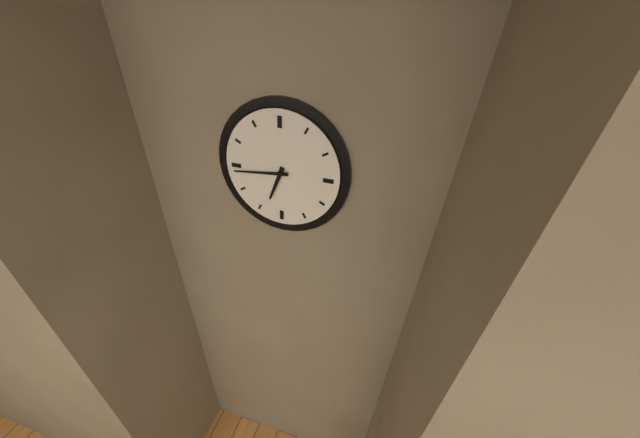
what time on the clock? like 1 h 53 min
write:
6 h 44 min
